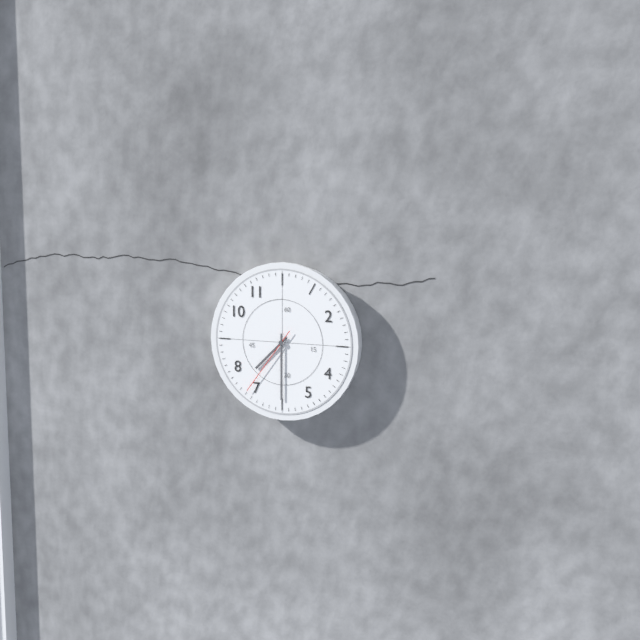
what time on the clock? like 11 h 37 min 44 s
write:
7 h 30 min 36 s
